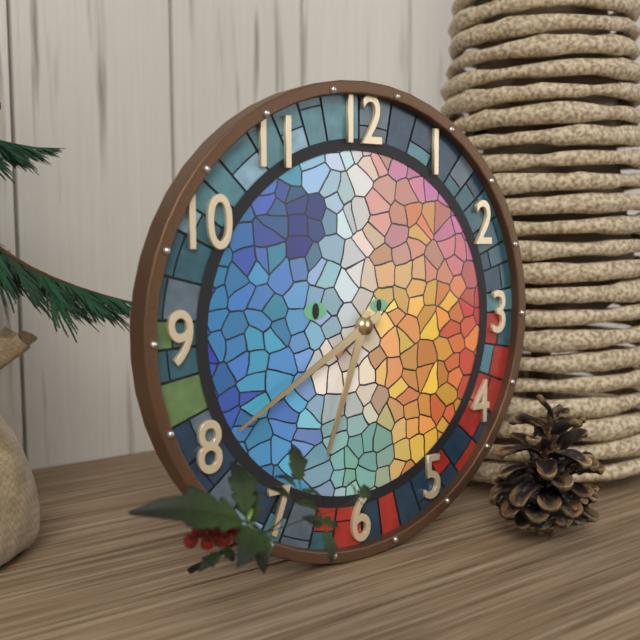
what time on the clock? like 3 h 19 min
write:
6 h 40 min
